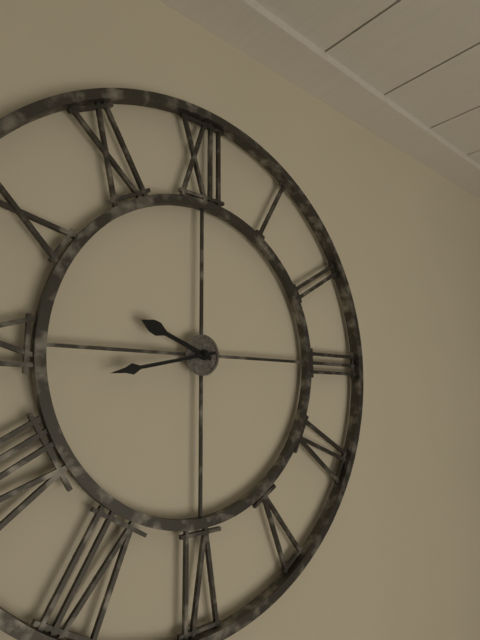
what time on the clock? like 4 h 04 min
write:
9 h 43 min
